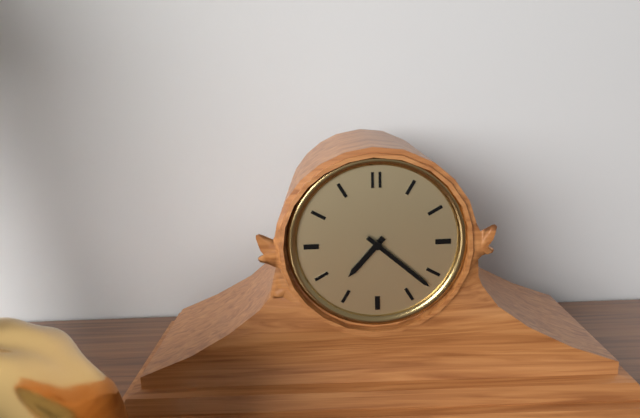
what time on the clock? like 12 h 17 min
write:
7 h 22 min
